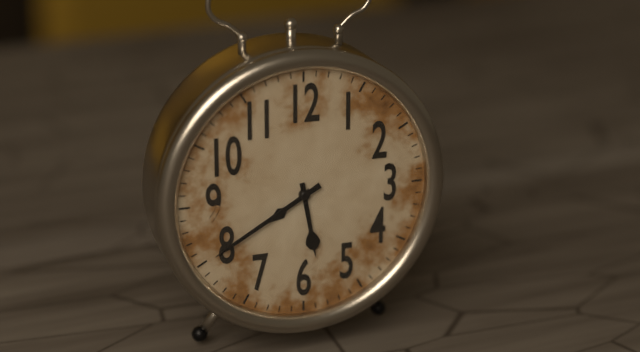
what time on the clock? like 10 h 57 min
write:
5 h 40 min
